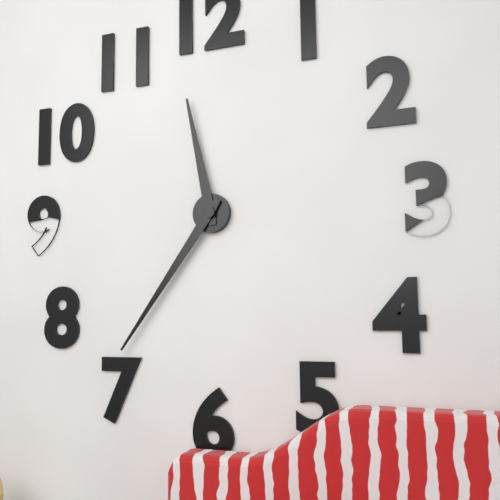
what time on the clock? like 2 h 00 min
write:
11 h 36 min
